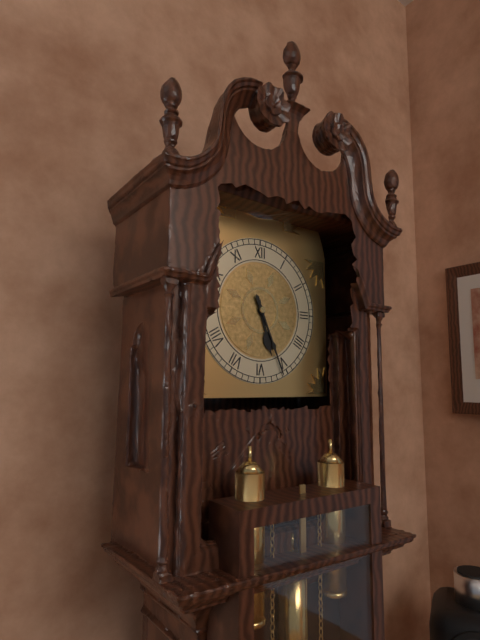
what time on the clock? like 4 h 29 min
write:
5 h 26 min
